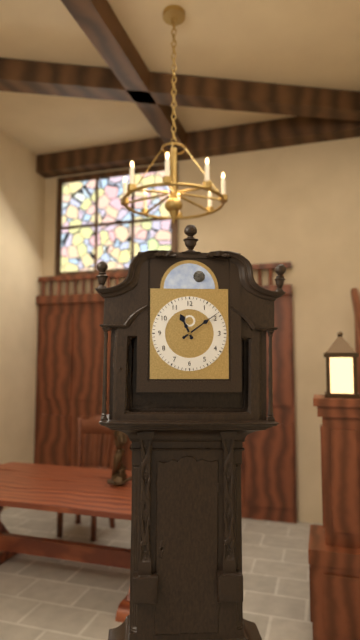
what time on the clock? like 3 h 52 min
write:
11 h 09 min
